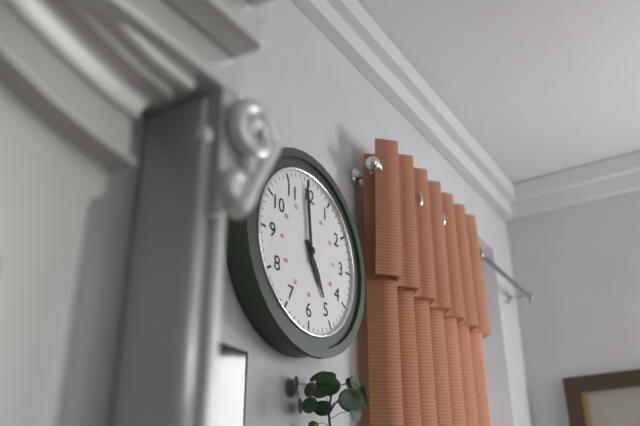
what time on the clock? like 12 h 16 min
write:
4 h 59 min
